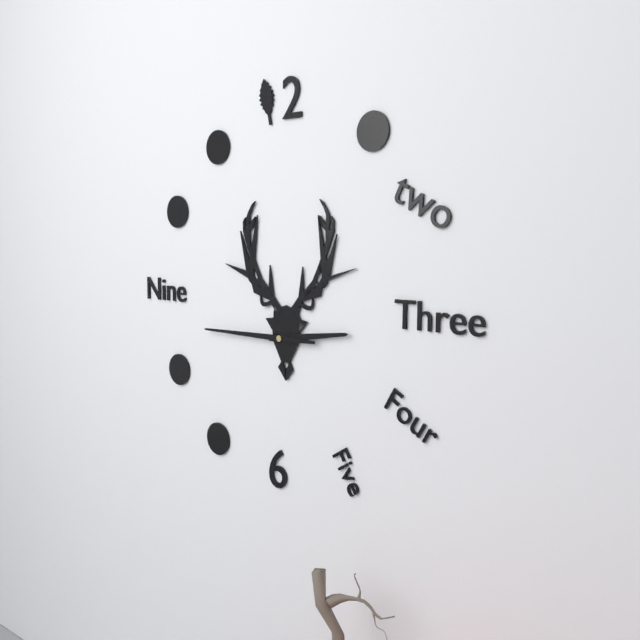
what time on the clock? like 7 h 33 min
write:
2 h 45 min
